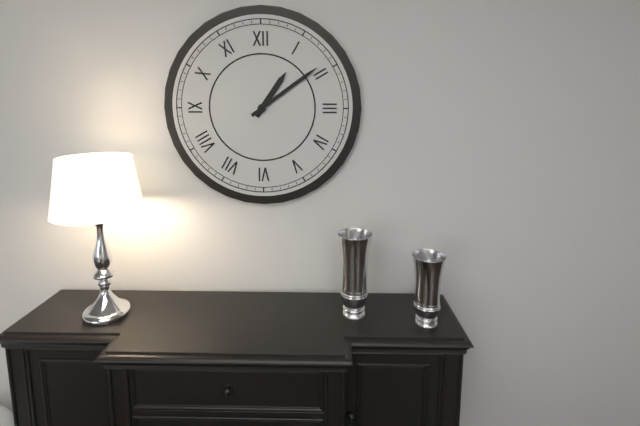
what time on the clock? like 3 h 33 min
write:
1 h 09 min
